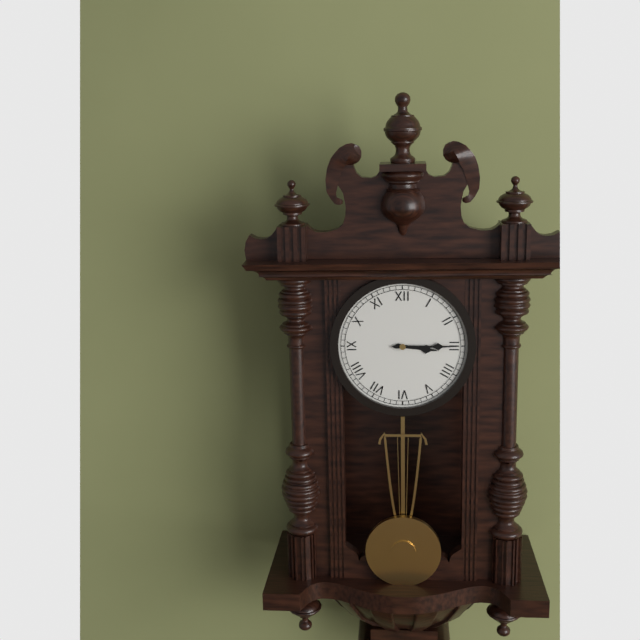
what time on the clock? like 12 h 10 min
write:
3 h 15 min
